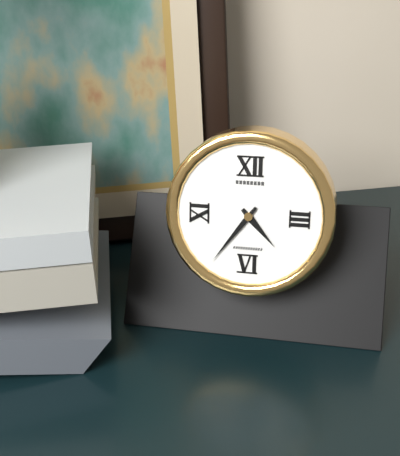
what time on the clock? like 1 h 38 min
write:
4 h 36 min
